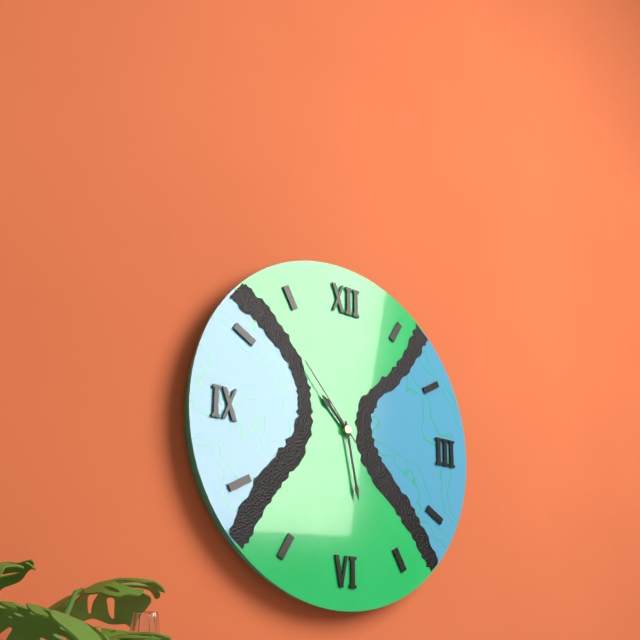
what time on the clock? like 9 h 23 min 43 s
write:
10 h 28 min 53 s
